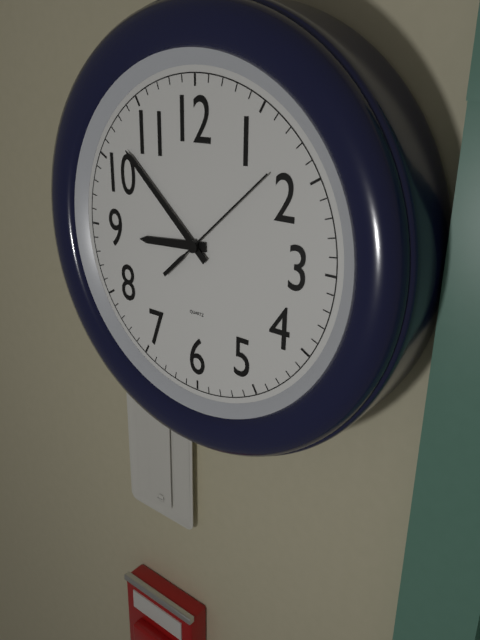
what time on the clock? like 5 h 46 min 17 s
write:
8 h 52 min 08 s
